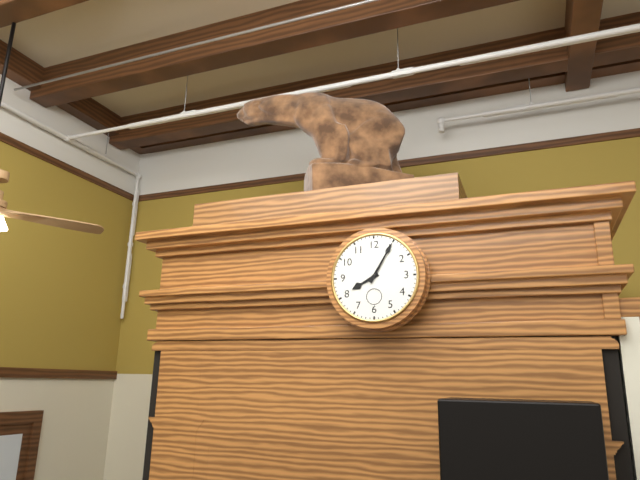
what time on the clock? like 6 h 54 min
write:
8 h 05 min
